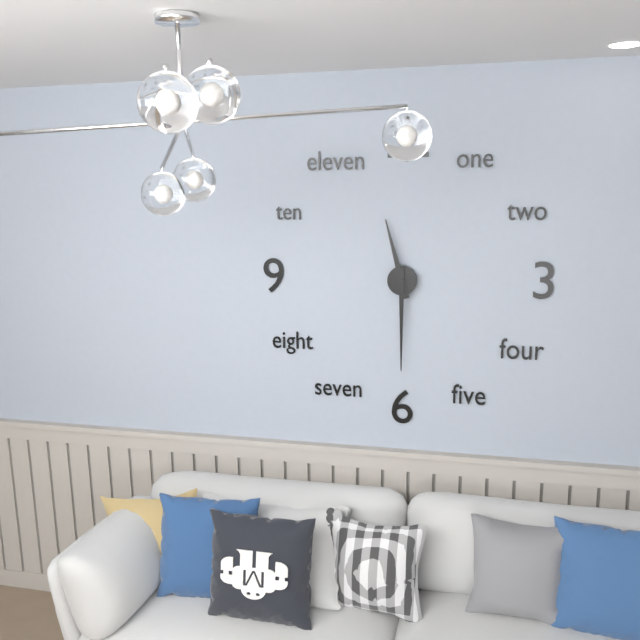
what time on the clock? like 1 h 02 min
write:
11 h 30 min
